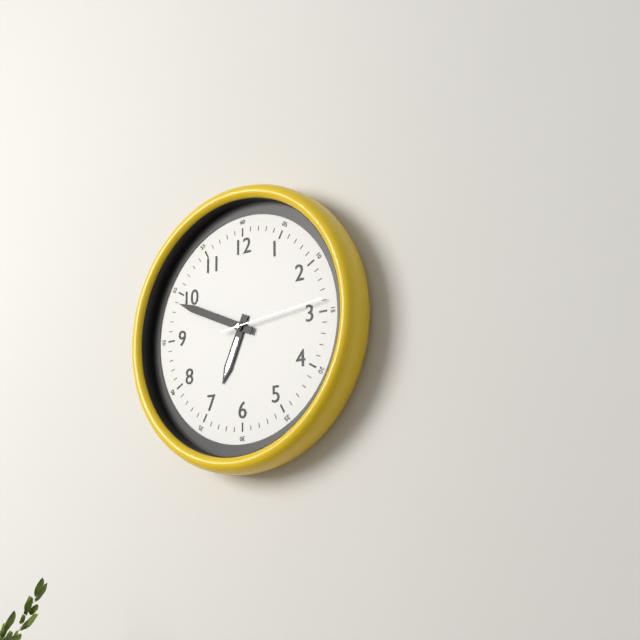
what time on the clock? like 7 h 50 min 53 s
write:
6 h 49 min 14 s
